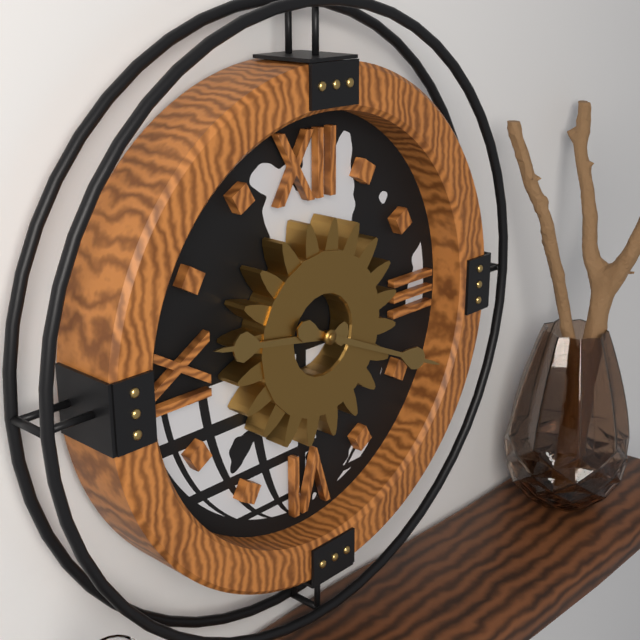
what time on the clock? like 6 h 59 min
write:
9 h 19 min
